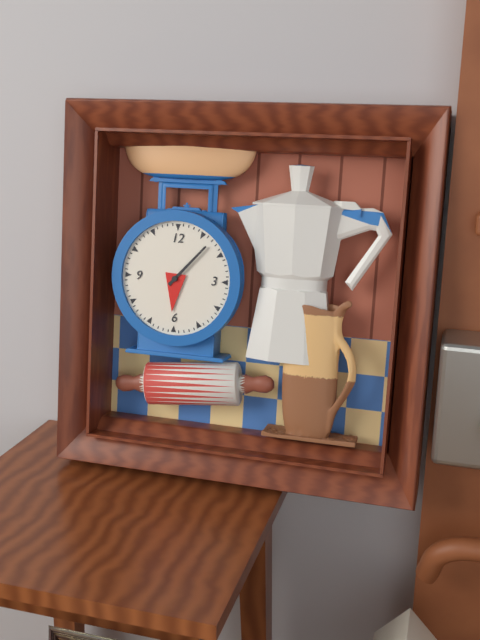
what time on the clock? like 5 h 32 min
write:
6 h 07 min
